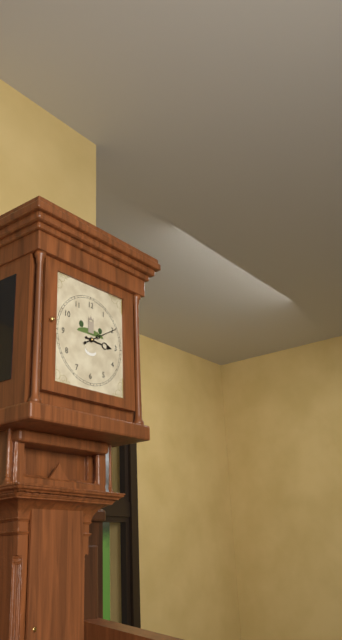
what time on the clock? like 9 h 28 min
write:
3 h 10 min
